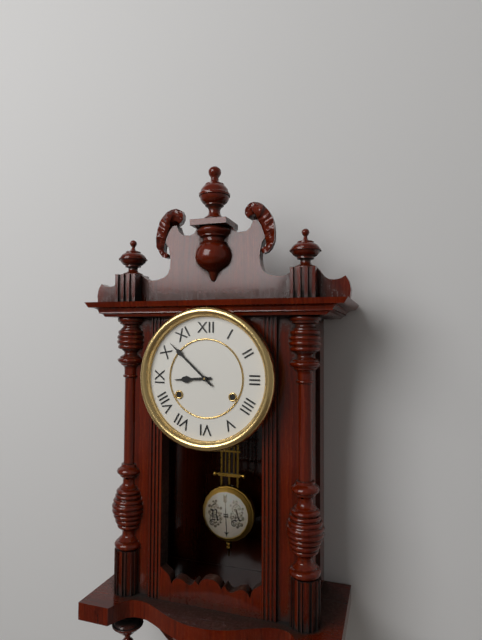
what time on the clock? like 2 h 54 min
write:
8 h 52 min
